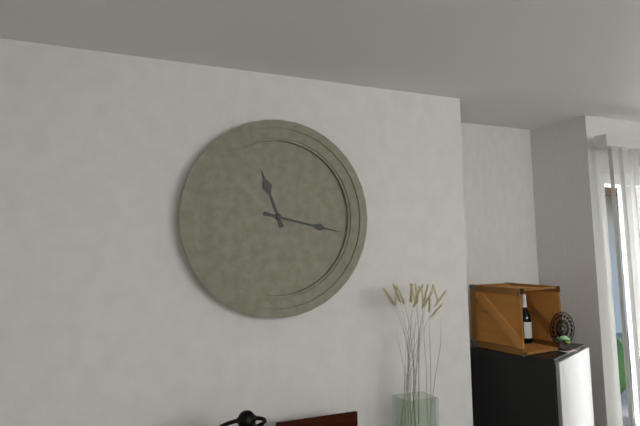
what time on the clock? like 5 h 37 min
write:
11 h 17 min
